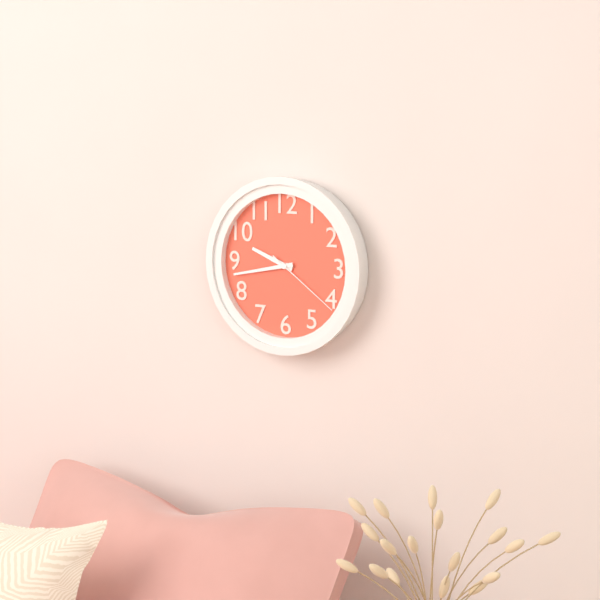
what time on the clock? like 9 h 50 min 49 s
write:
9 h 43 min 21 s
